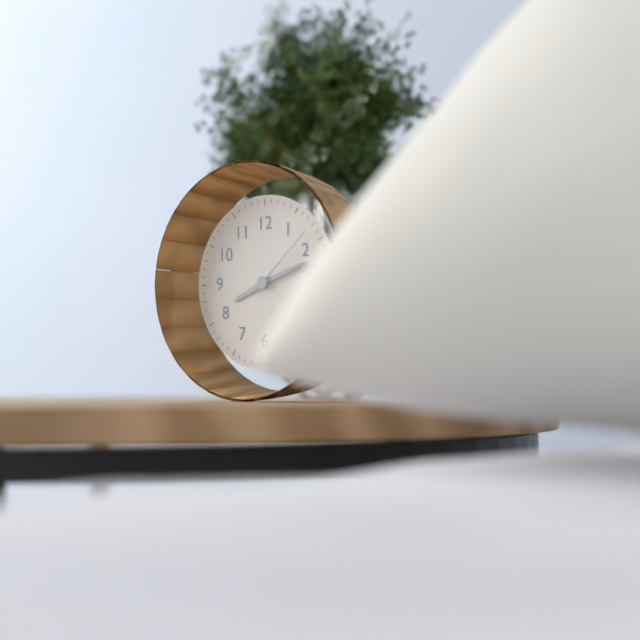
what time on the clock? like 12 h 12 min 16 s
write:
8 h 12 min 08 s
